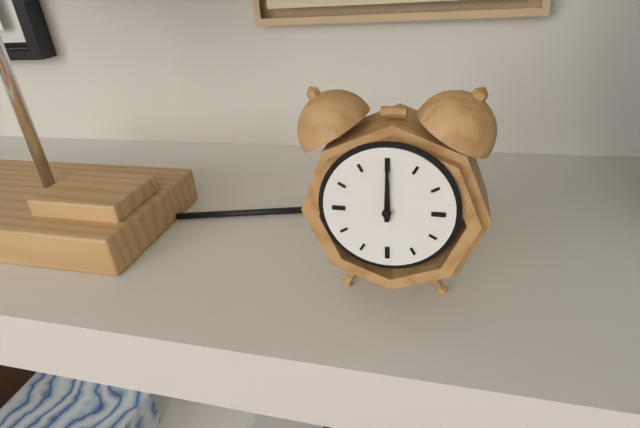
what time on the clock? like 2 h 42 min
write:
12 h 00 min
